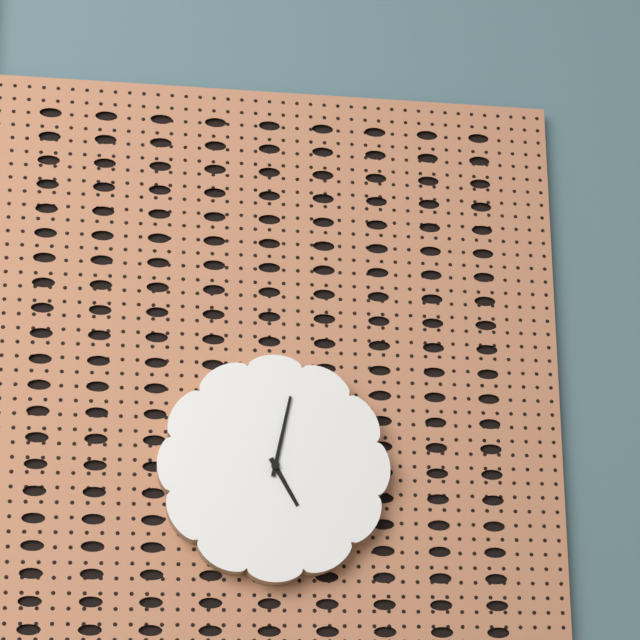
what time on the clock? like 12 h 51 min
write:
5 h 02 min
